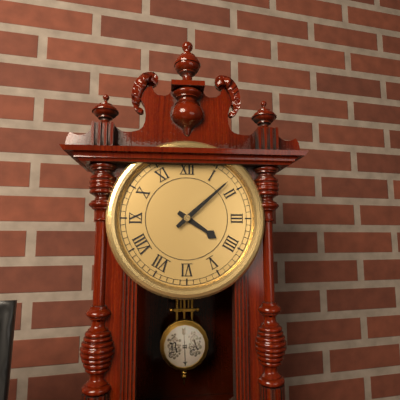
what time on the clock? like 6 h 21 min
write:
4 h 08 min
